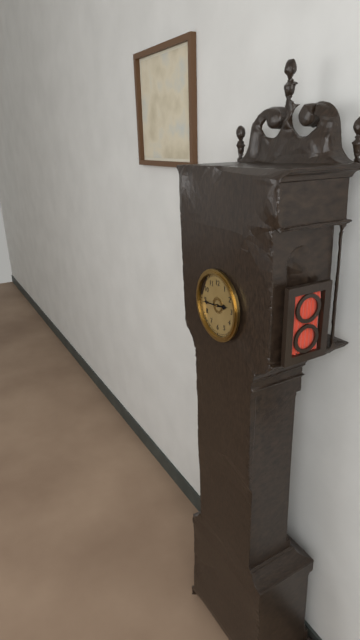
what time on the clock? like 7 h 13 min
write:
2 h 44 min
